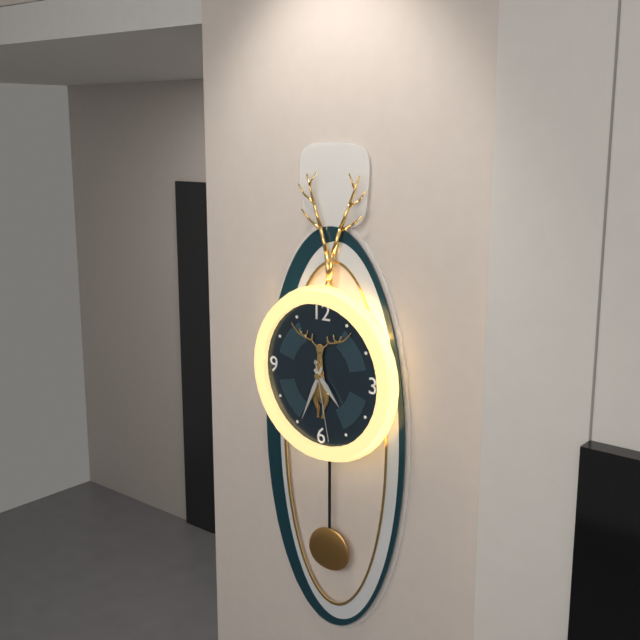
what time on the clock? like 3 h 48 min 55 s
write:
4 h 34 min 28 s
